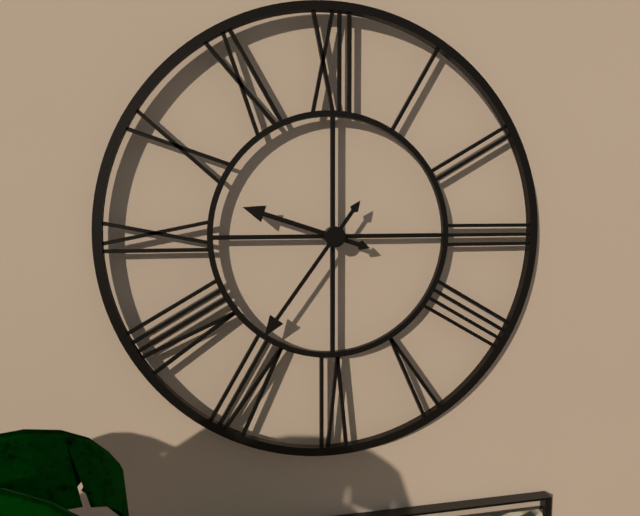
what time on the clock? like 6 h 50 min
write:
9 h 36 min
